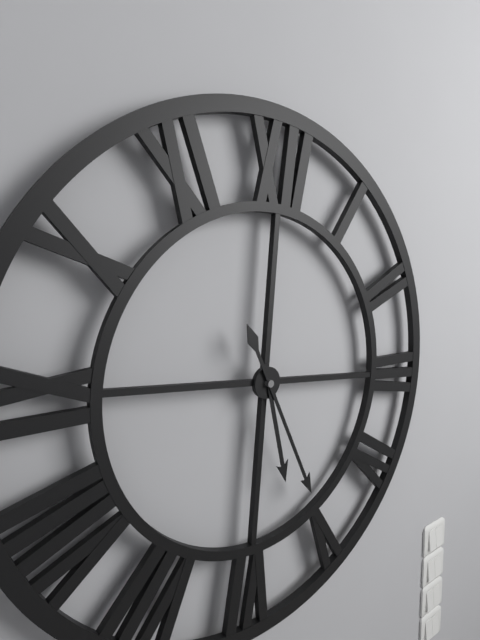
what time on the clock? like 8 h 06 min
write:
5 h 25 min
